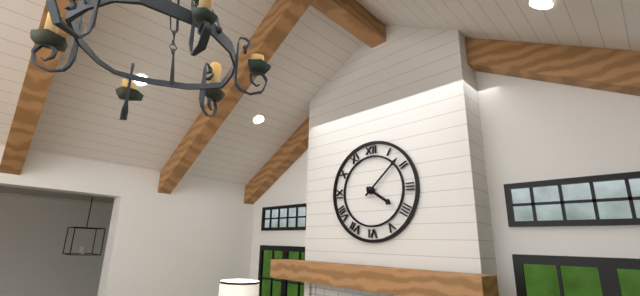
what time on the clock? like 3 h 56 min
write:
4 h 08 min
